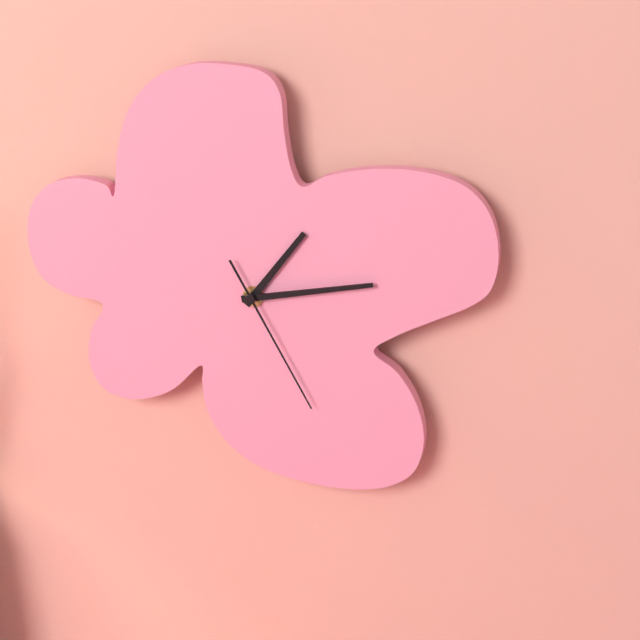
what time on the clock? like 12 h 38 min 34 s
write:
1 h 13 min 25 s
